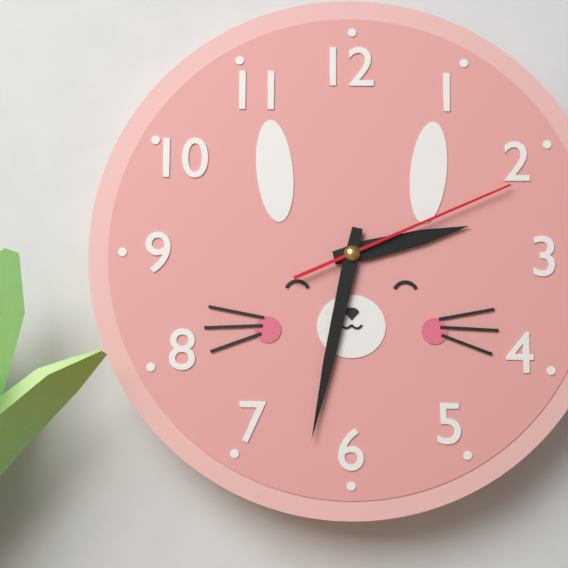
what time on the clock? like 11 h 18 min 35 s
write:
2 h 32 min 11 s
